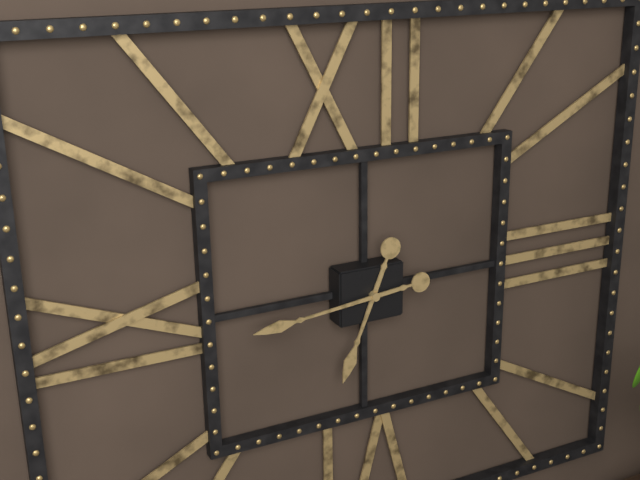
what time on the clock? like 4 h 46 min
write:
6 h 44 min
